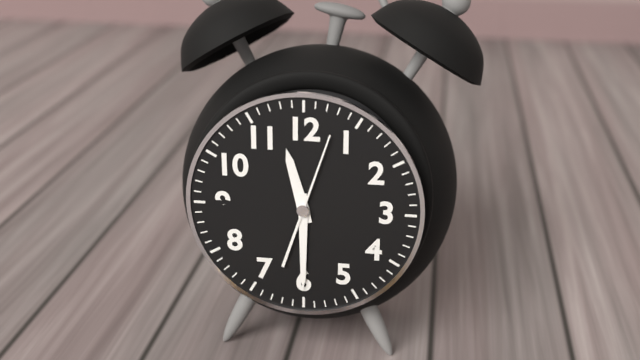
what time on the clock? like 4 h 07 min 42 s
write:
11 h 30 min 03 s
